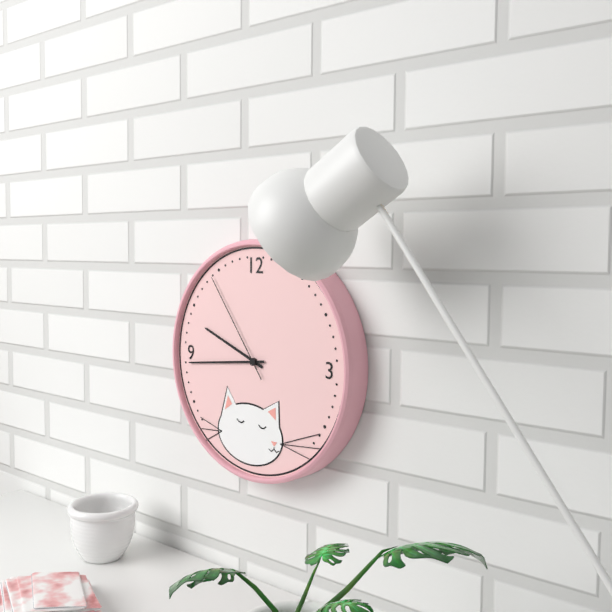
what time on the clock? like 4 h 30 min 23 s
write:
9 h 44 min 54 s
